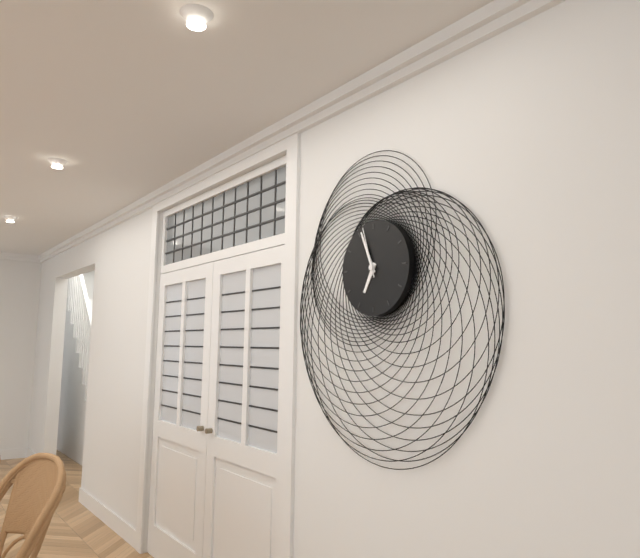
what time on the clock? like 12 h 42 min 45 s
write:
6 h 56 min 57 s
